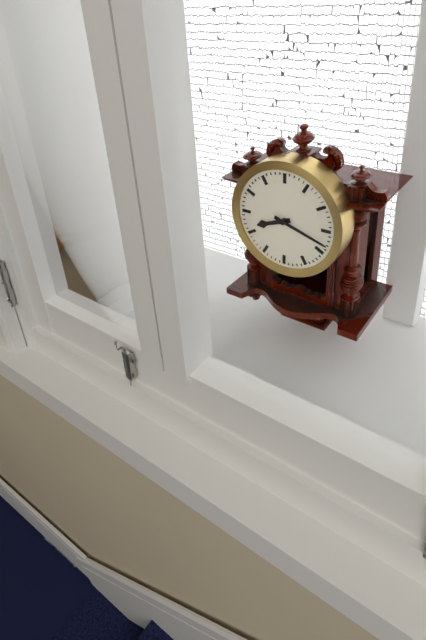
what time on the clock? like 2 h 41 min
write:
8 h 18 min
